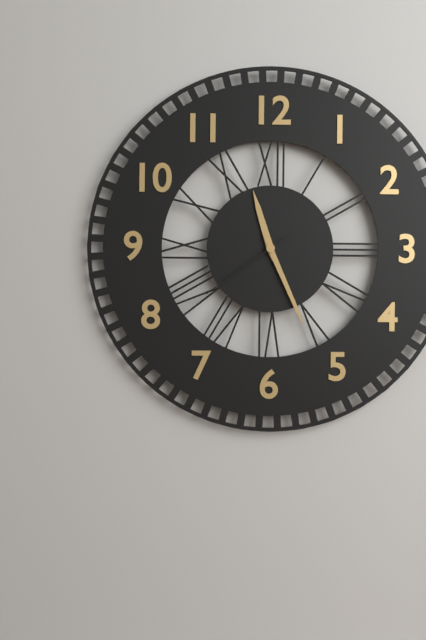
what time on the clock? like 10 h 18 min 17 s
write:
11 h 26 min 39 s
